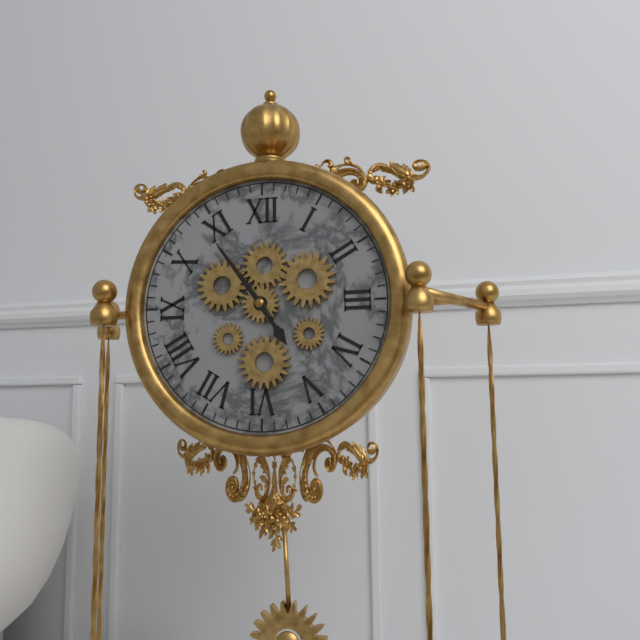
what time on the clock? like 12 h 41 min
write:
4 h 54 min
